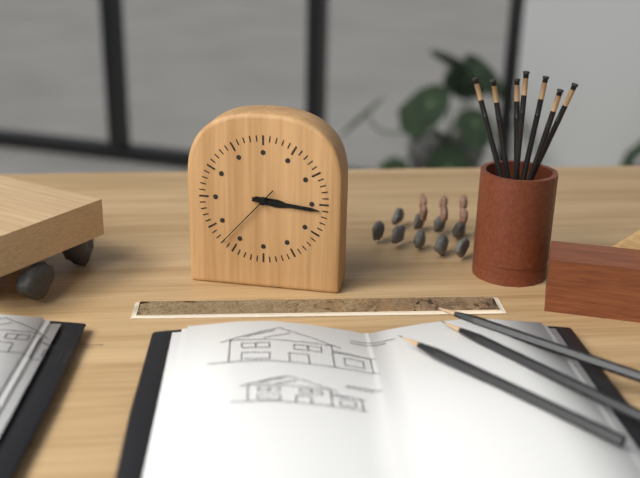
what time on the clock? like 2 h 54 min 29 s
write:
3 h 16 min 37 s
